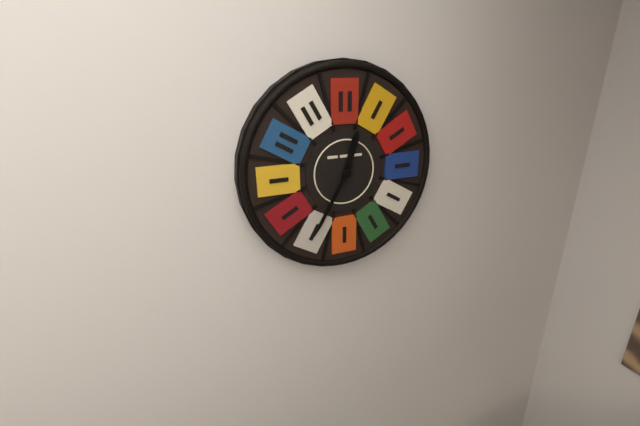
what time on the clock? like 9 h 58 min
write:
12 h 35 min
